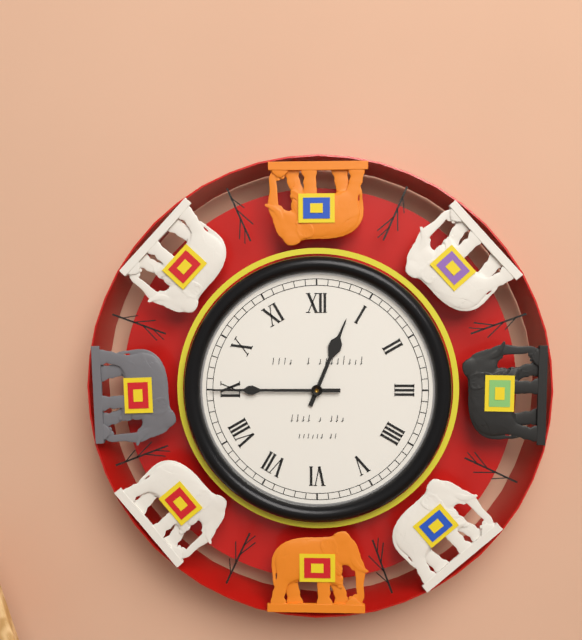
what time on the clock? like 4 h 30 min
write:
12 h 45 min
